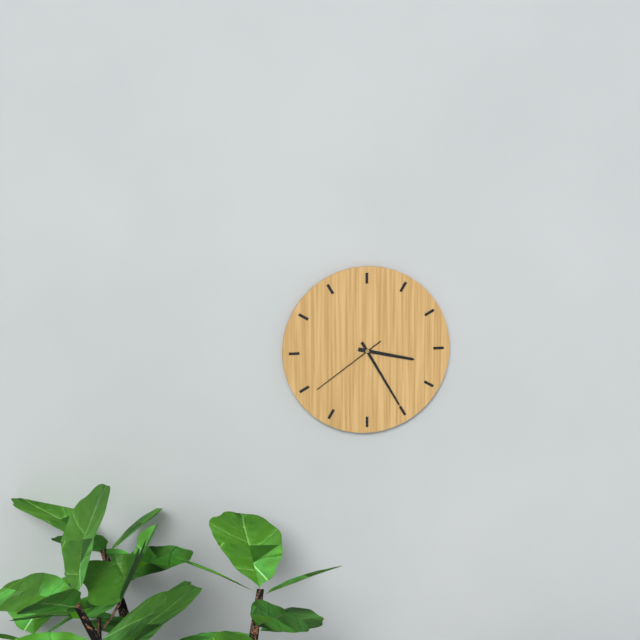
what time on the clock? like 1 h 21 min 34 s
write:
3 h 25 min 39 s
